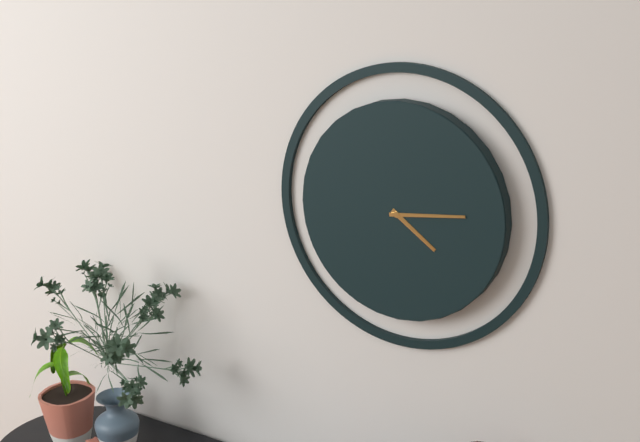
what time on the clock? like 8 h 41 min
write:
4 h 14 min
